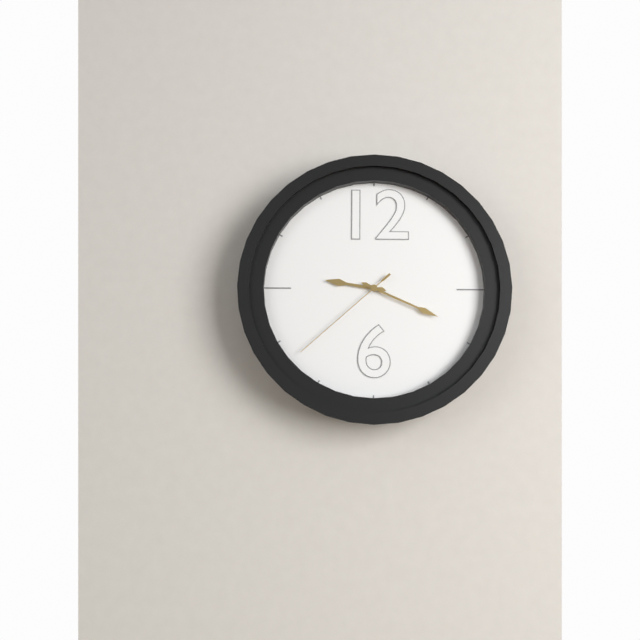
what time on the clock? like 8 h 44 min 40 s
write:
9 h 19 min 38 s
